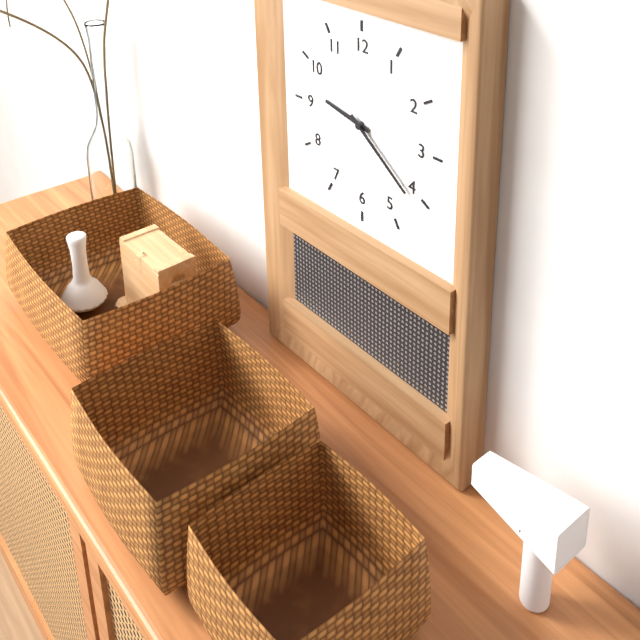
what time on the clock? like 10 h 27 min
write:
9 h 21 min
